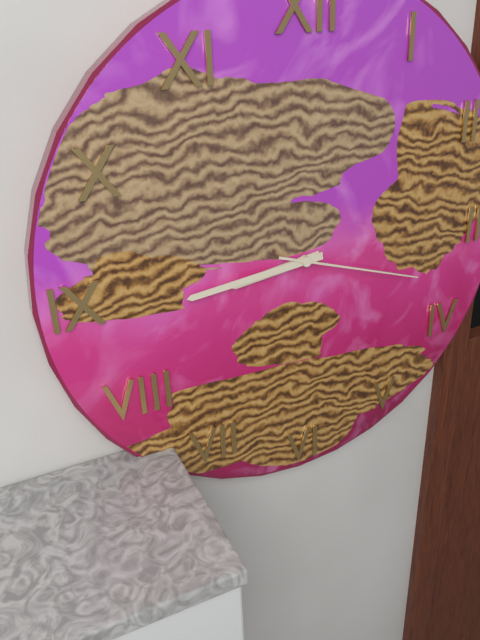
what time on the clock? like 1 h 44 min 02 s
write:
8 h 44 min 18 s
